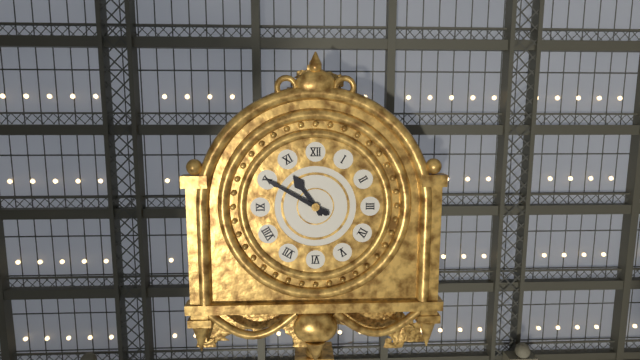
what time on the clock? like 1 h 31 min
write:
10 h 50 min
